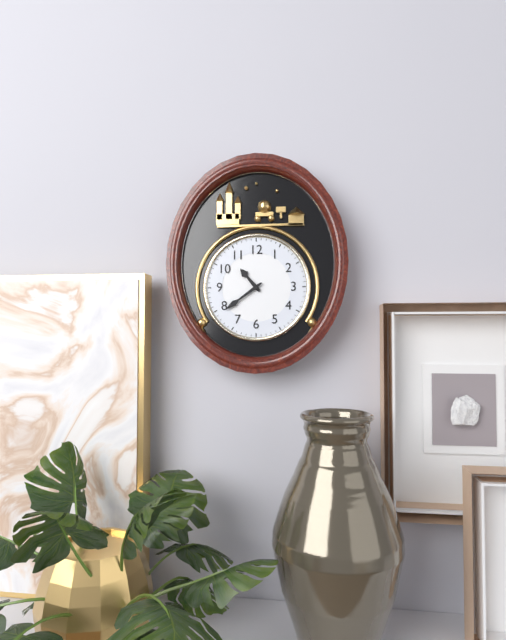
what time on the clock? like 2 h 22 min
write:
10 h 39 min
